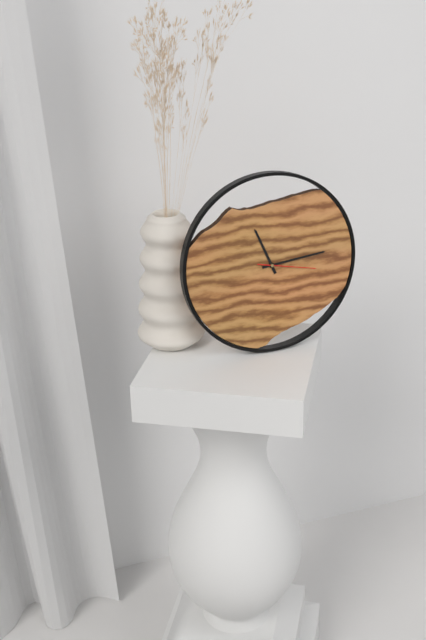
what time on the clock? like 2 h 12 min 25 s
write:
11 h 14 min 17 s
